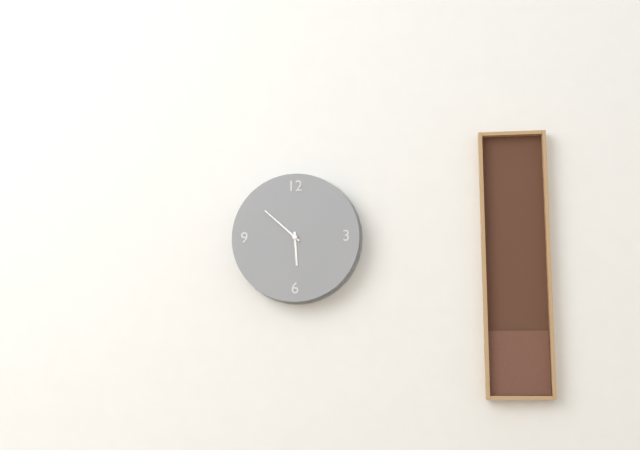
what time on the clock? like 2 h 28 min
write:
5 h 52 min
